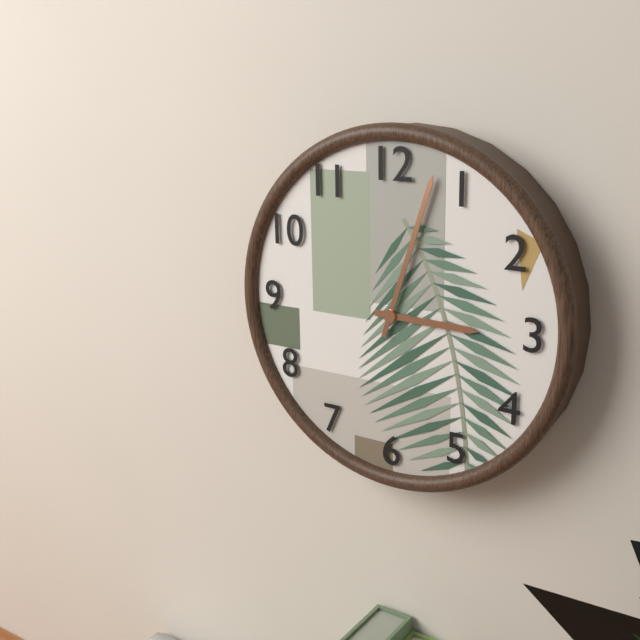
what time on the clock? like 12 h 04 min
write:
3 h 03 min
